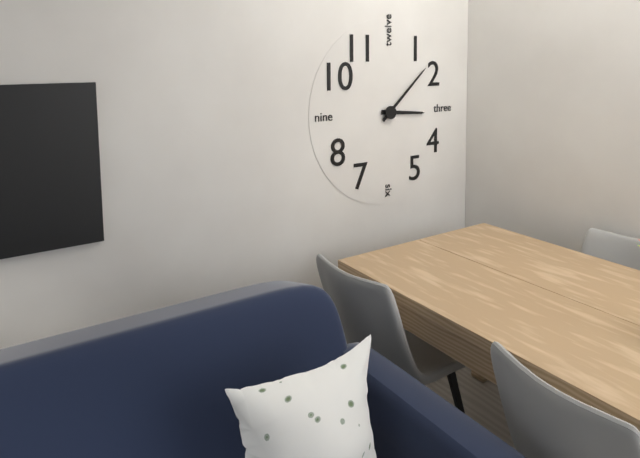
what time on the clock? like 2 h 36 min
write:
3 h 08 min
